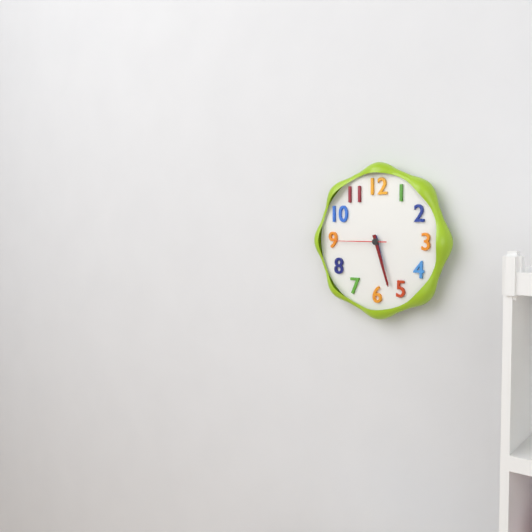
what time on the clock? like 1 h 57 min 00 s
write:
5 h 27 min 45 s
